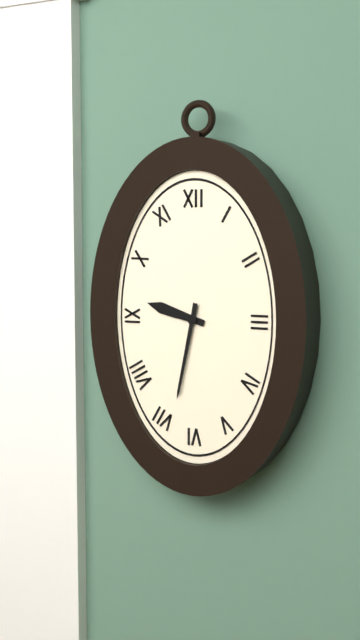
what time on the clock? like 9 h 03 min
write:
9 h 32 min
